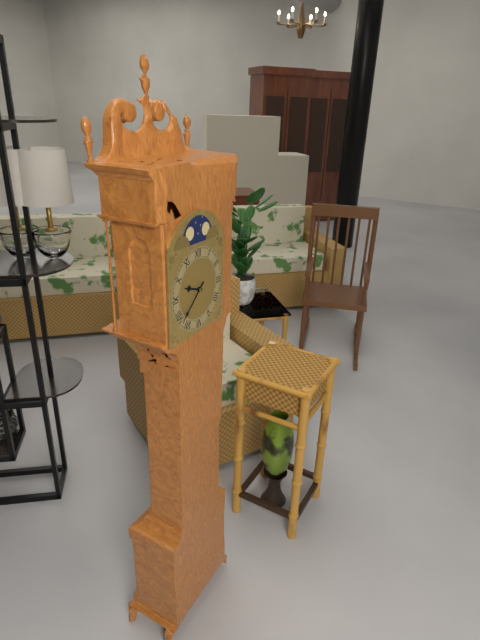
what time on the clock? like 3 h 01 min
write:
9 h 38 min
